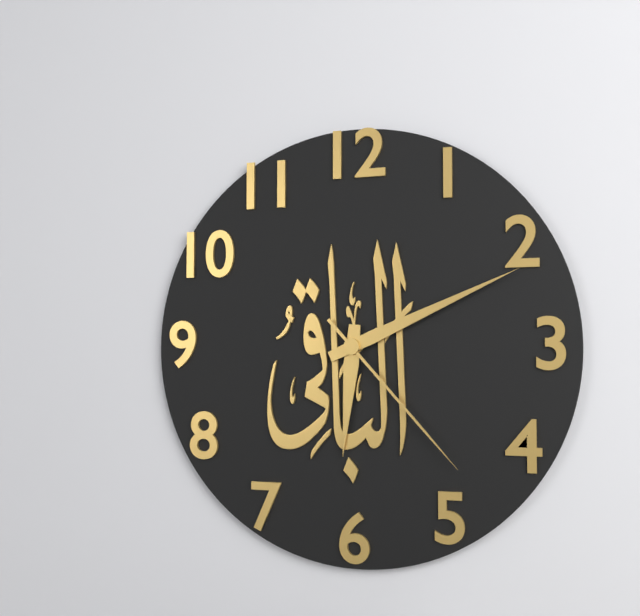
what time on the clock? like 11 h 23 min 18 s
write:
6 h 11 min 23 s
